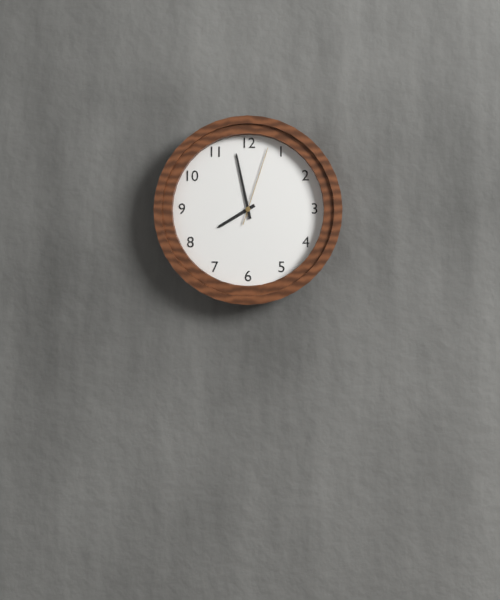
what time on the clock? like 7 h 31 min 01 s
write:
7 h 58 min 03 s
